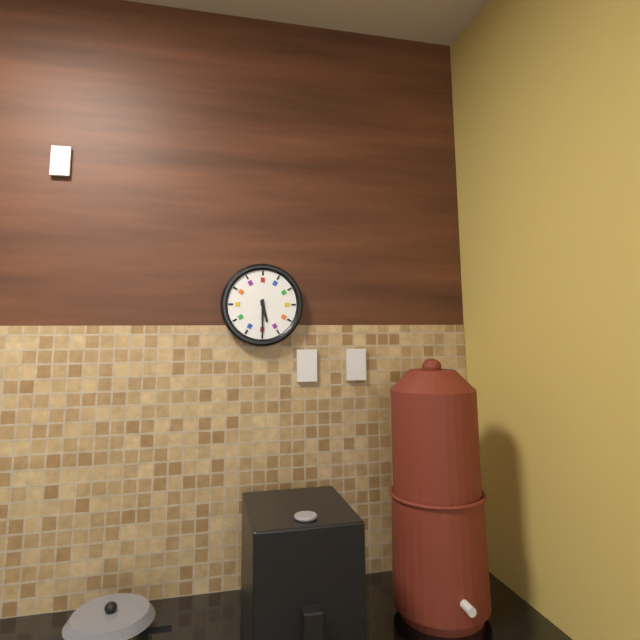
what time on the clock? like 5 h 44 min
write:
5 h 30 min
